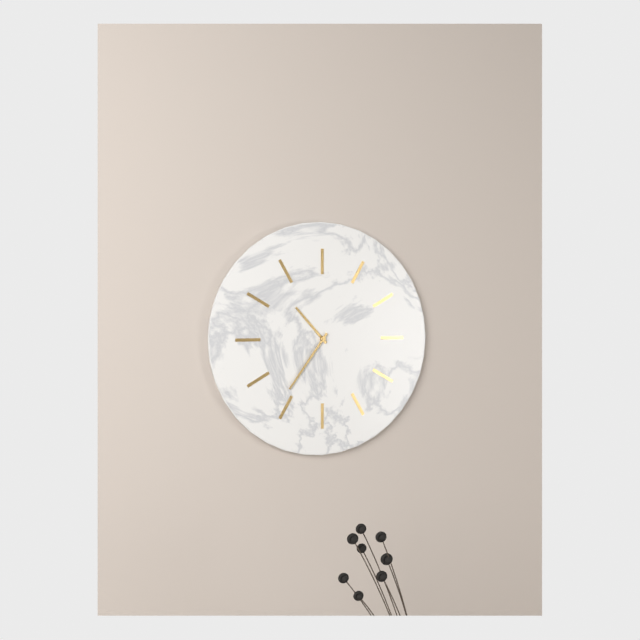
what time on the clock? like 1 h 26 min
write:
10 h 36 min
